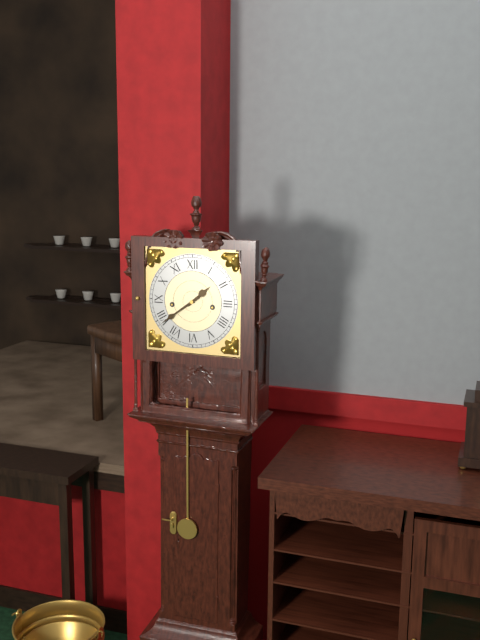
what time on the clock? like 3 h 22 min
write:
1 h 39 min
